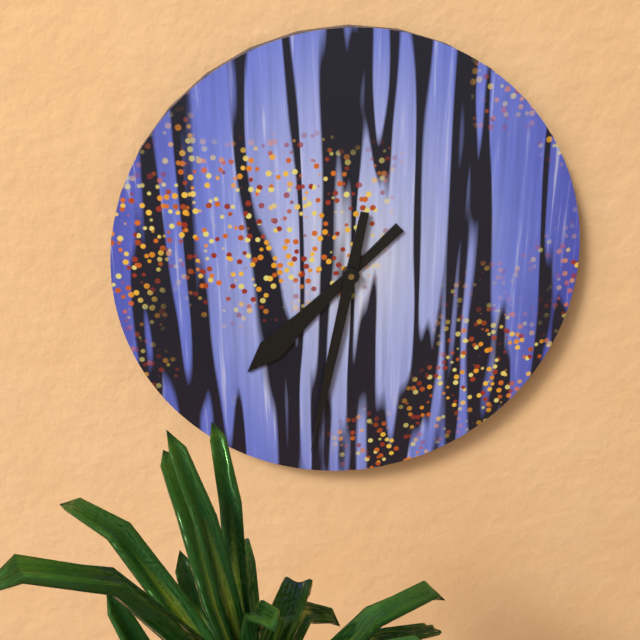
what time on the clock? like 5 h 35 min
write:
7 h 32 min
